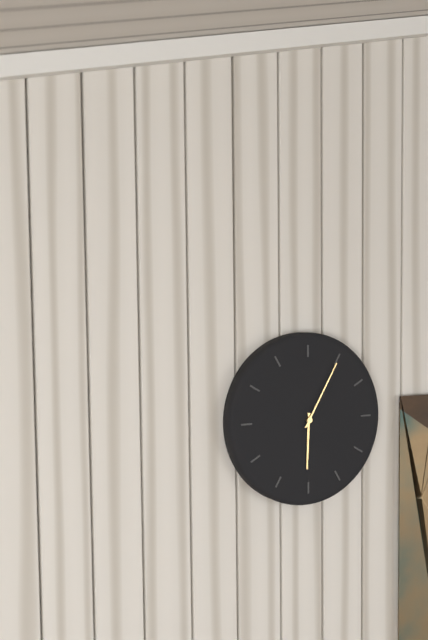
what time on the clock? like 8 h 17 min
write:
6 h 05 min
